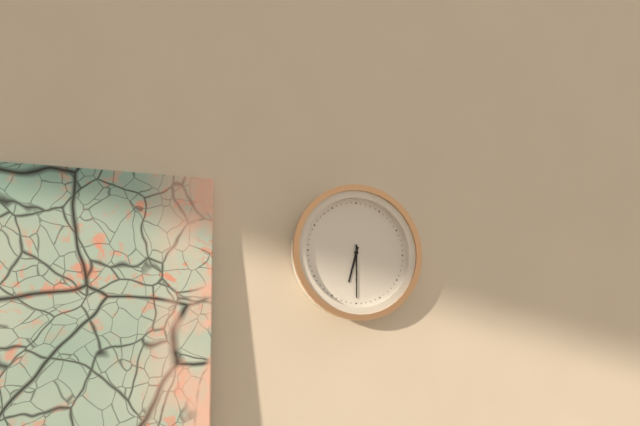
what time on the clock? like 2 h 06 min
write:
6 h 30 min
